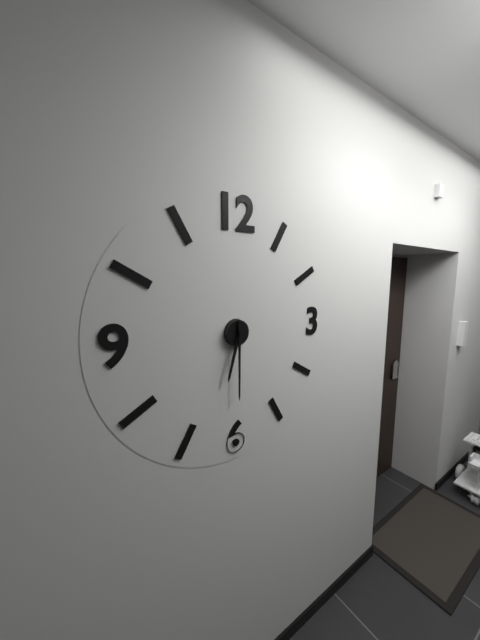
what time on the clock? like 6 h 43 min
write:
6 h 30 min
